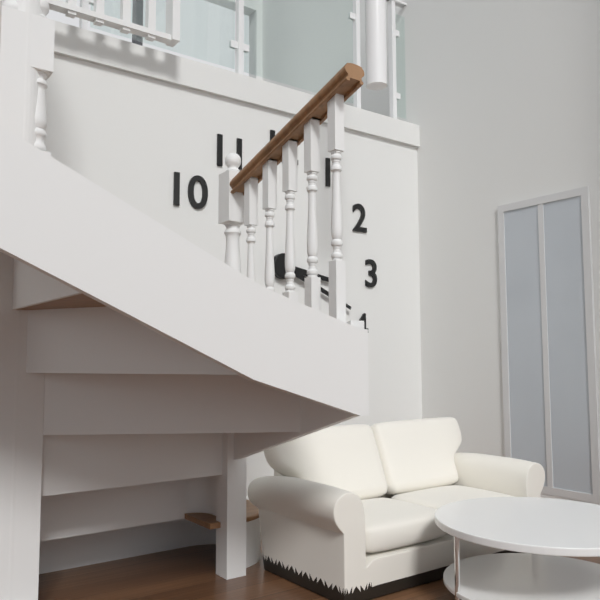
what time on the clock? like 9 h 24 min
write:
3 h 19 min
